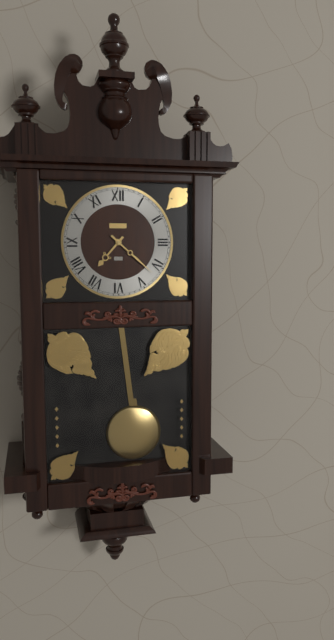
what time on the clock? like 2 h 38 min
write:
7 h 22 min
